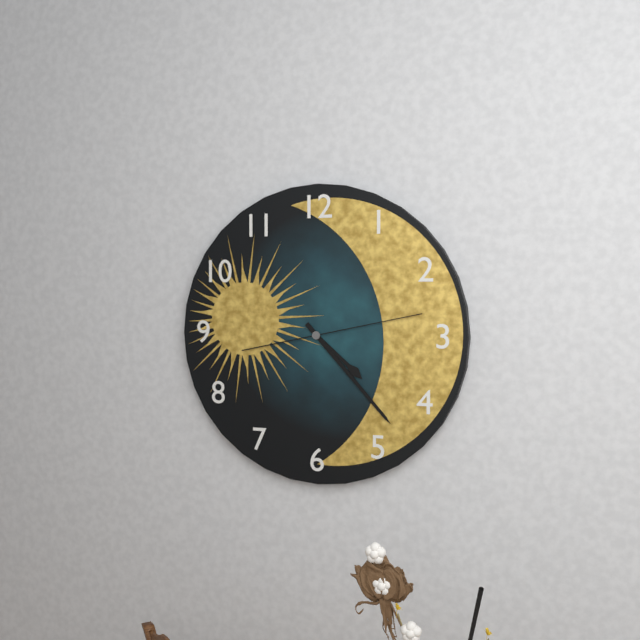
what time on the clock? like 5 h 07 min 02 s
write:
4 h 23 min 13 s
